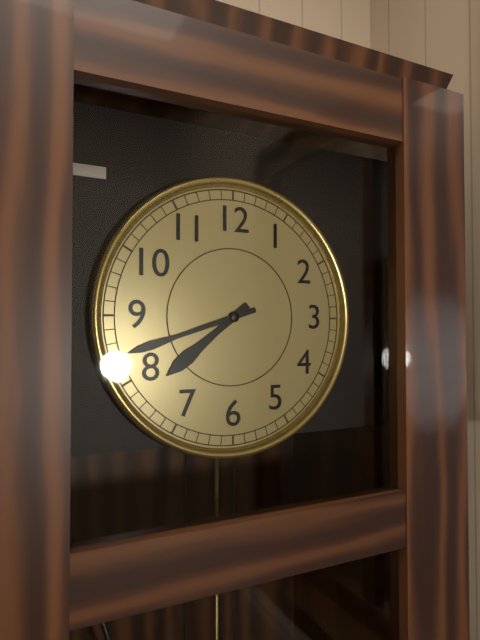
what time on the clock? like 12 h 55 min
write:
7 h 42 min
